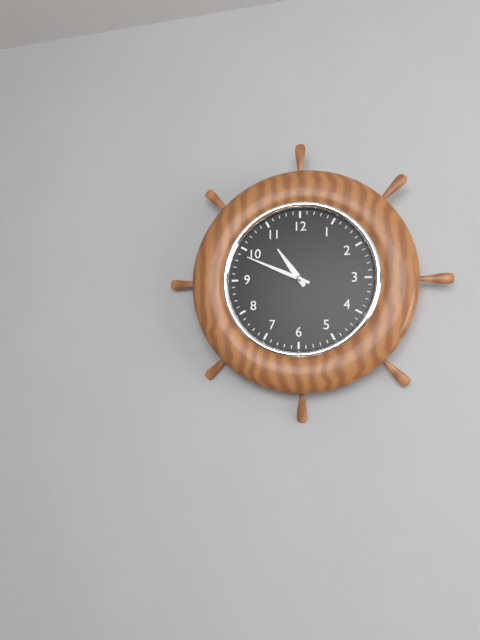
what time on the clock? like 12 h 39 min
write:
10 h 49 min
